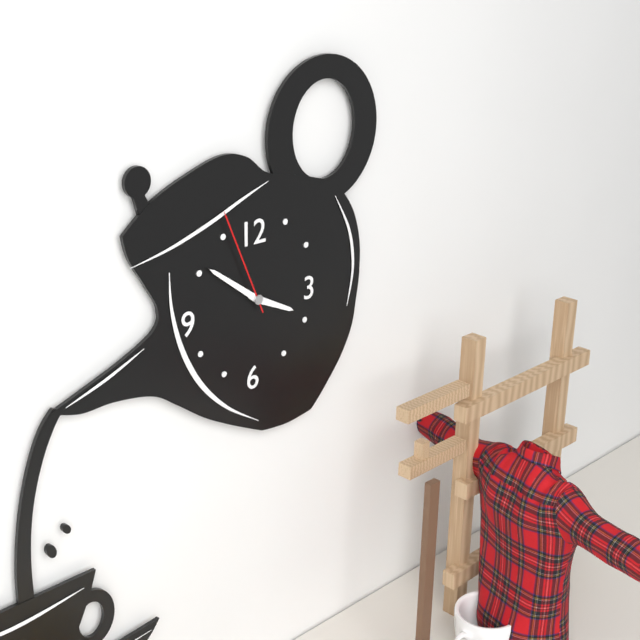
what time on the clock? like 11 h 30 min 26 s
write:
3 h 51 min 56 s
